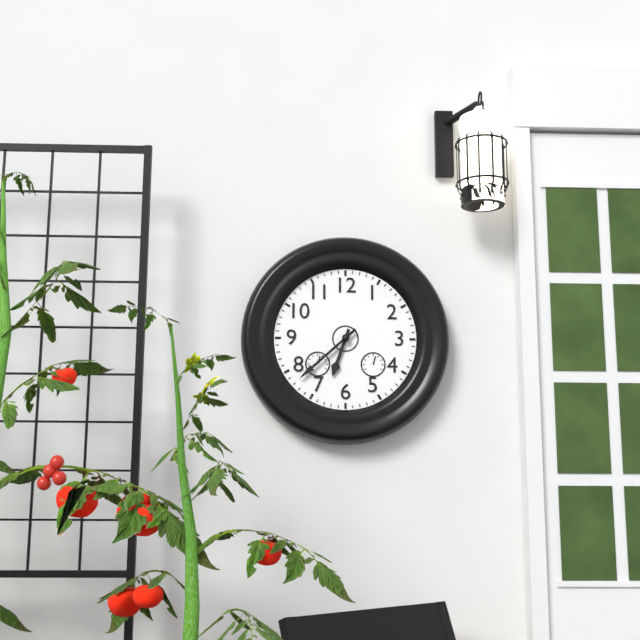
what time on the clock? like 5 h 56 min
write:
6 h 38 min
